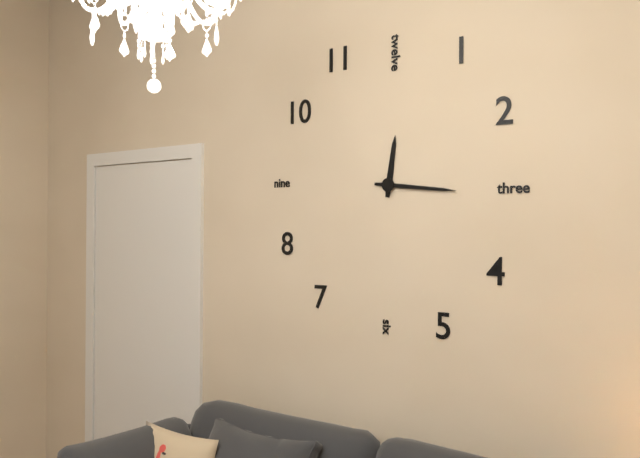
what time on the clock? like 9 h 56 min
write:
12 h 16 min
